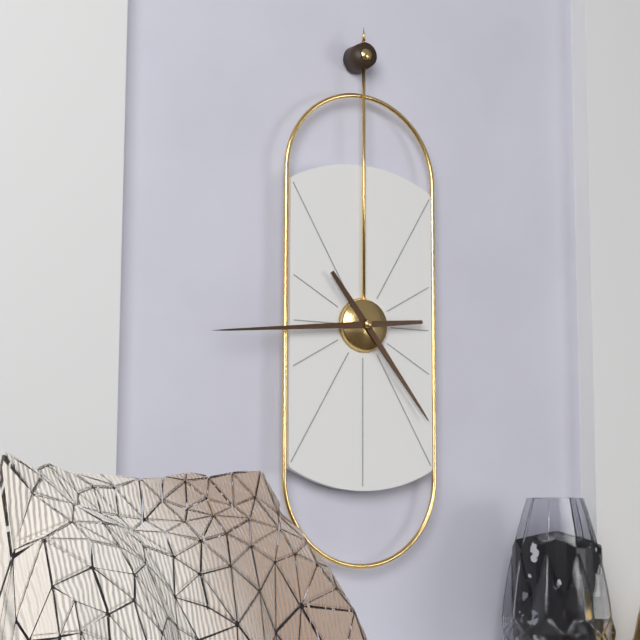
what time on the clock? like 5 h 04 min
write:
4 h 44 min
